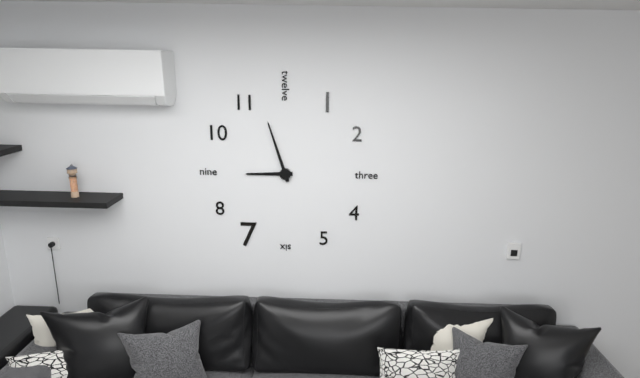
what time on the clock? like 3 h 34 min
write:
8 h 57 min
